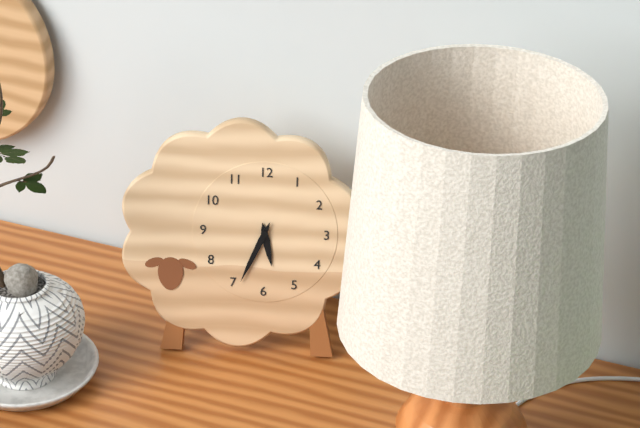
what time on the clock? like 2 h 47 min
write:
5 h 34 min
